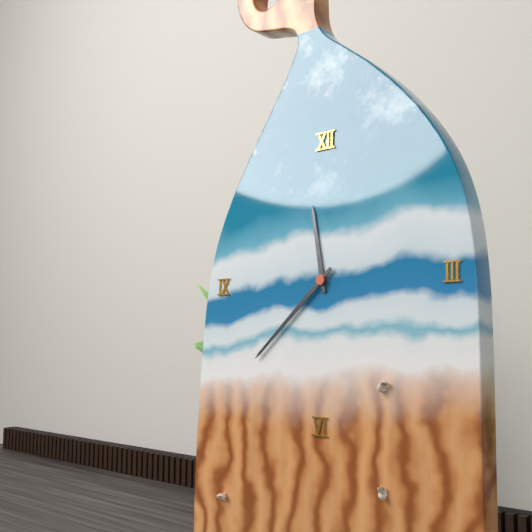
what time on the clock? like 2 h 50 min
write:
11 h 38 min
